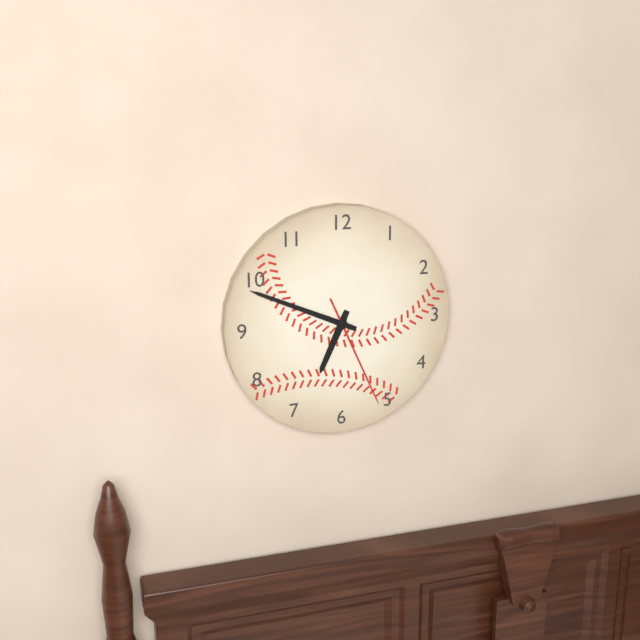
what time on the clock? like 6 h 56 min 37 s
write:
6 h 49 min 26 s
